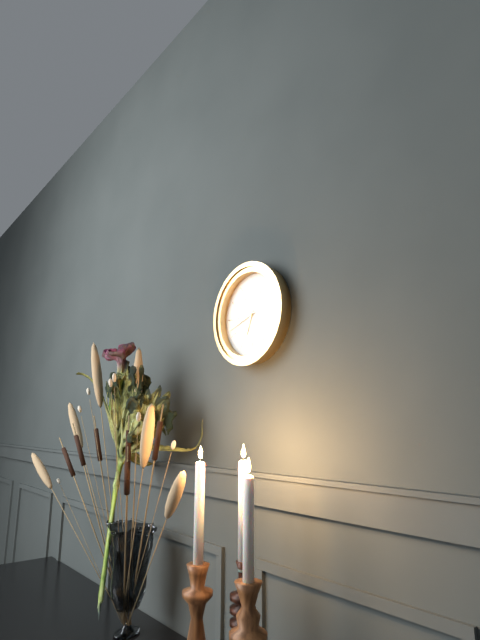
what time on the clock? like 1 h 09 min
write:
6 h 42 min
